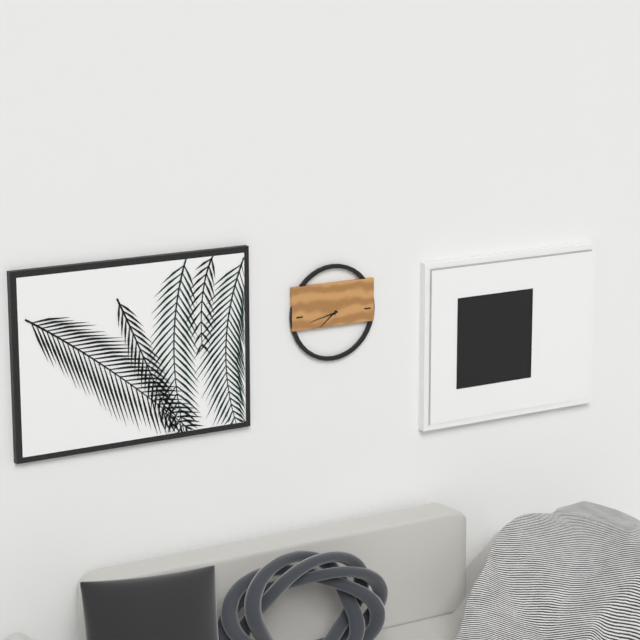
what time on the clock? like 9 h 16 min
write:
7 h 43 min
